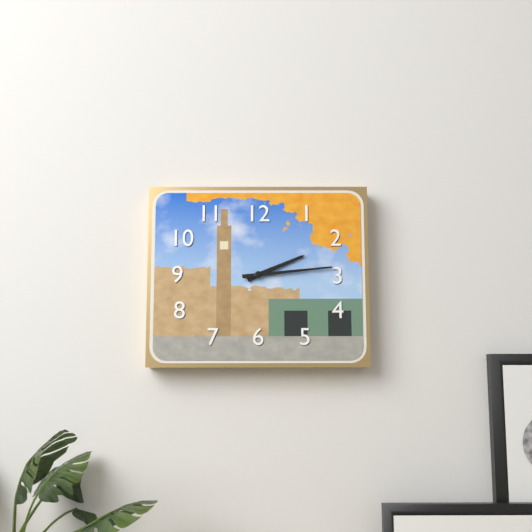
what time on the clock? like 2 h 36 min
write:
2 h 14 min
